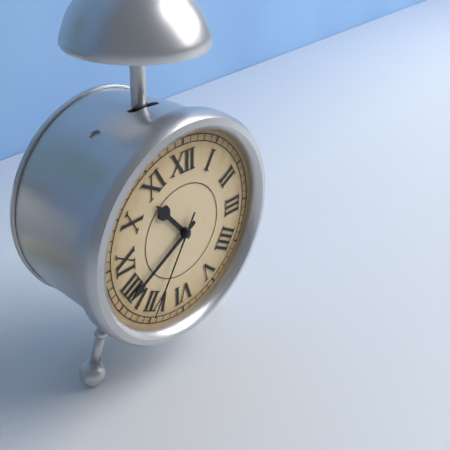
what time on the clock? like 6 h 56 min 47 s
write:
10 h 40 min 35 s
